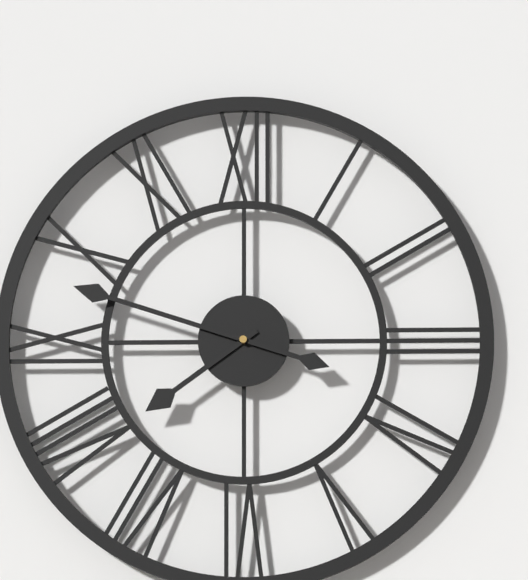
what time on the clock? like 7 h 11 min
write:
7 h 48 min
